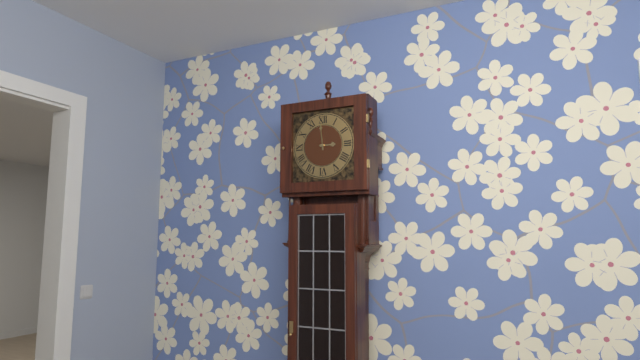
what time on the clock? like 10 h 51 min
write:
2 h 59 min
